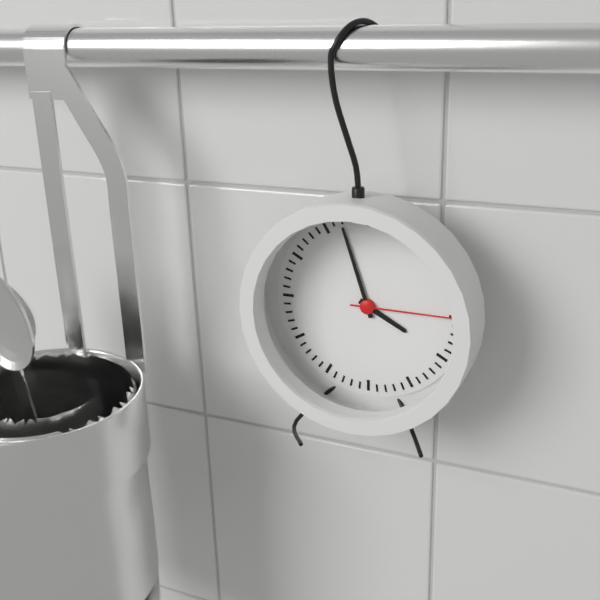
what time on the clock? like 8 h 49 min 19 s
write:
3 h 57 min 15 s
